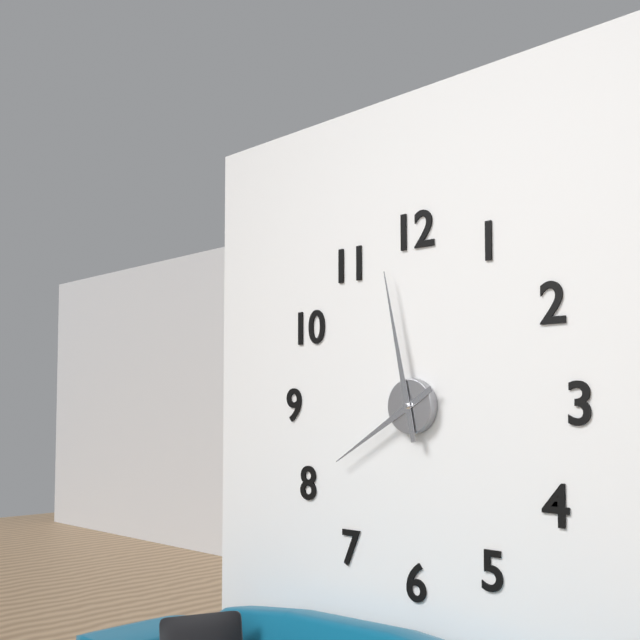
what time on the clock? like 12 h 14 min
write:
7 h 58 min
